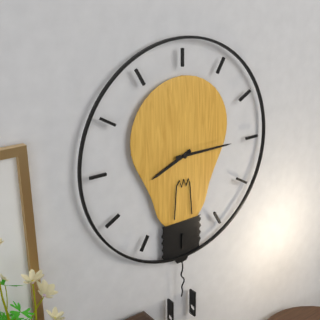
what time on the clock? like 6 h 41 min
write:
8 h 15 min
